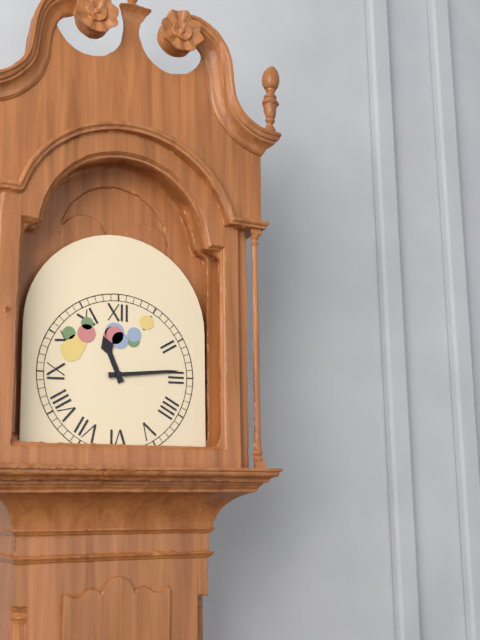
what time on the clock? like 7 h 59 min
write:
11 h 14 min
